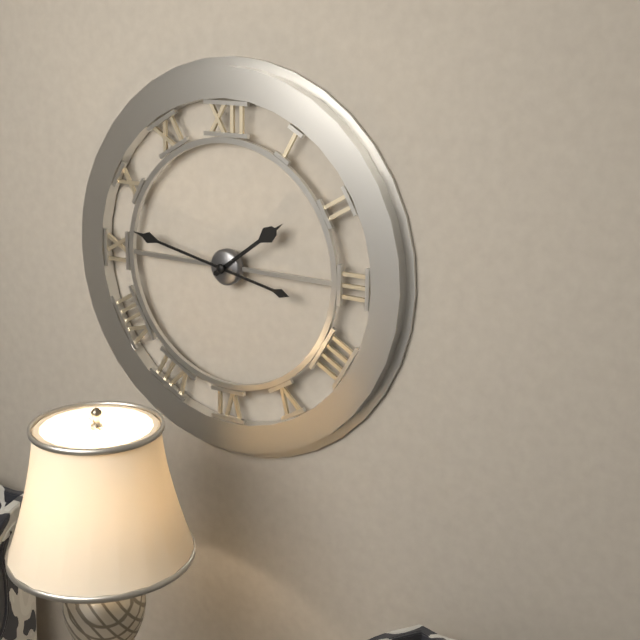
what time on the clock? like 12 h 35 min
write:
1 h 47 min
